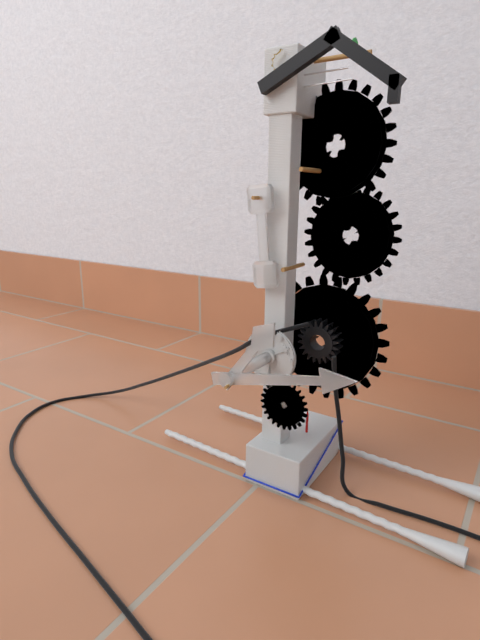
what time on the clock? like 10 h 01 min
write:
1 h 13 min
